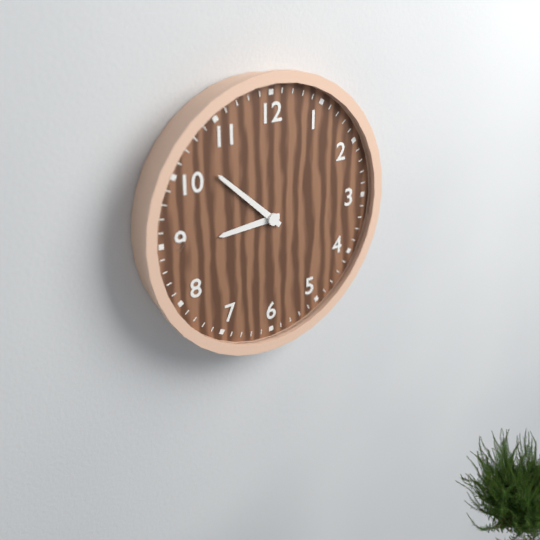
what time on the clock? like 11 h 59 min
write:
8 h 52 min
